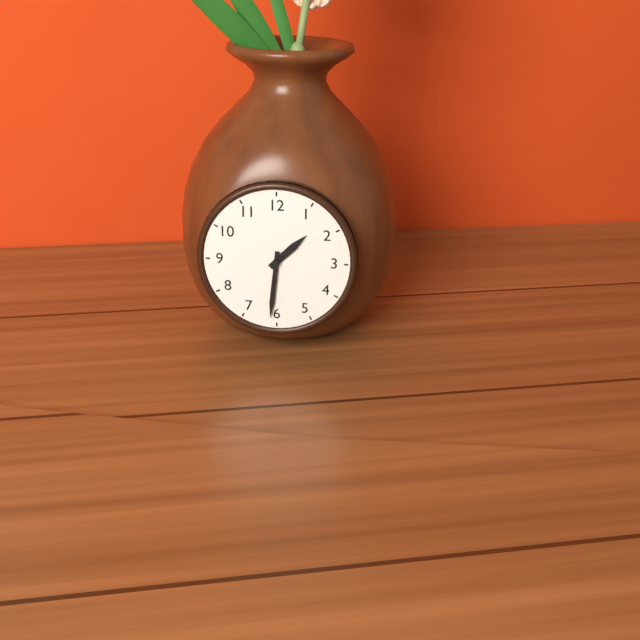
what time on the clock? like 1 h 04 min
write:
1 h 31 min
